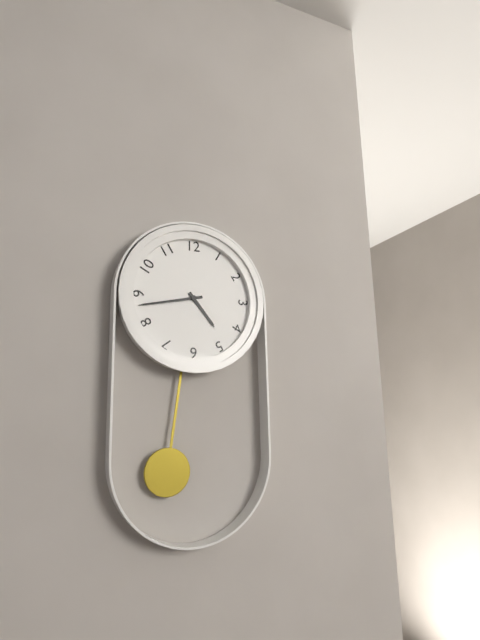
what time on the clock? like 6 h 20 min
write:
4 h 43 min
